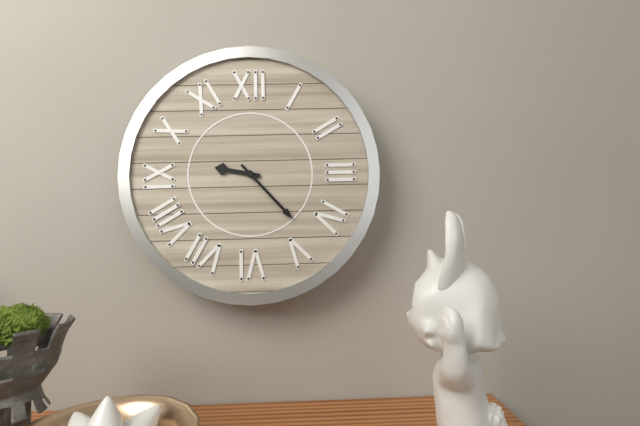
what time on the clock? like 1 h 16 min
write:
9 h 23 min
